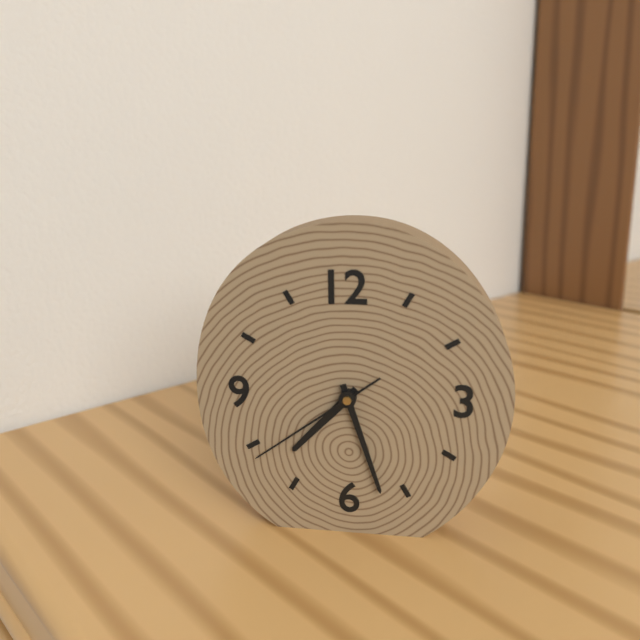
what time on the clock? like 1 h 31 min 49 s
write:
7 h 27 min 39 s
